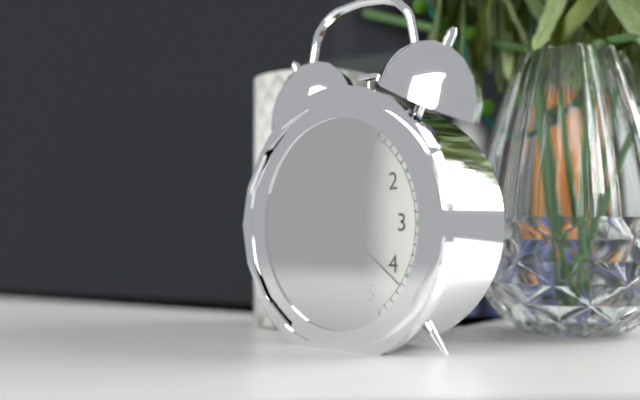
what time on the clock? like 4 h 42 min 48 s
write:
6 h 41 min 21 s
